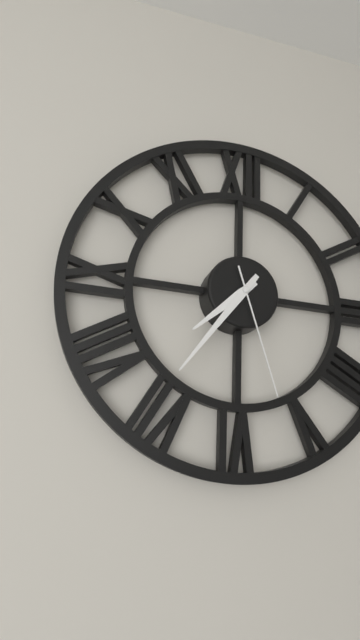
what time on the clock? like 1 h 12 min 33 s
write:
7 h 36 min 27 s
